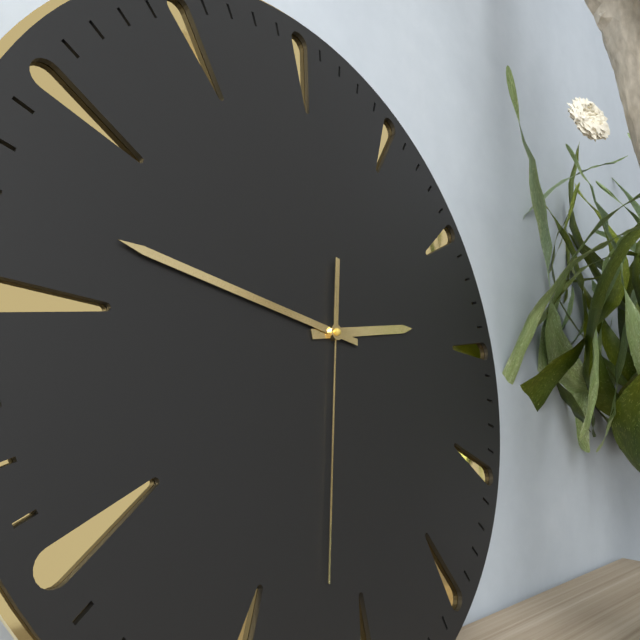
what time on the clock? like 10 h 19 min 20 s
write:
2 h 47 min 32 s
